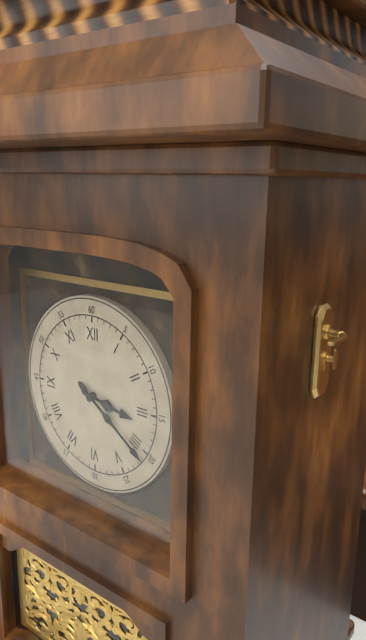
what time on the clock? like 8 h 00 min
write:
3 h 21 min
